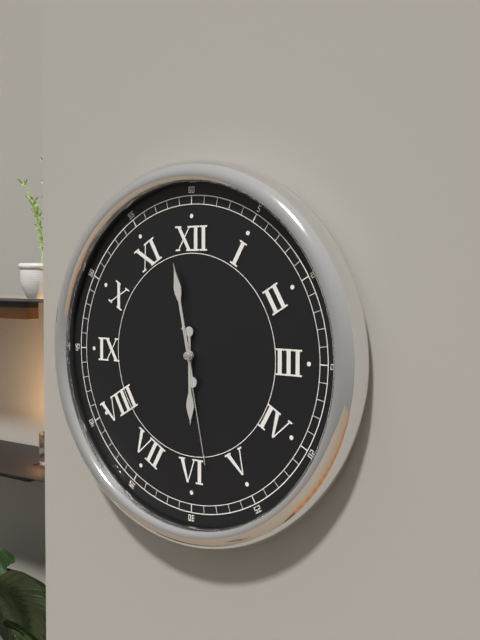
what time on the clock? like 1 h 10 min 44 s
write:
5 h 58 min 28 s
